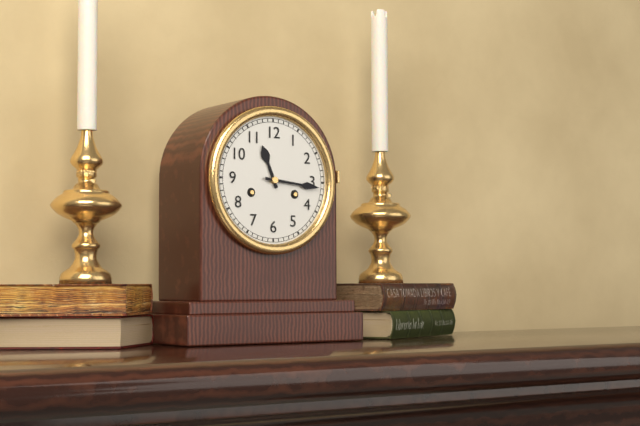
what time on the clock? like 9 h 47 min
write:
11 h 16 min
